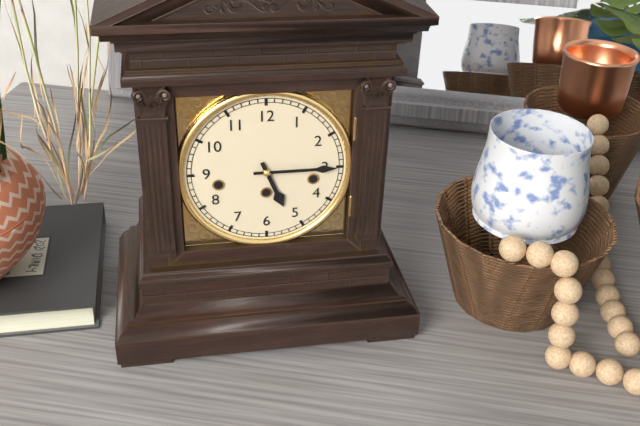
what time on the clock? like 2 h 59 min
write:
5 h 15 min
